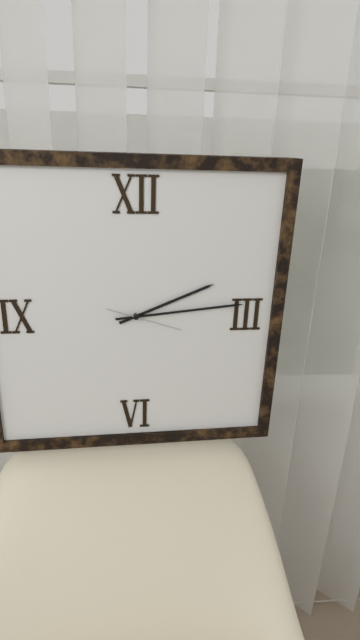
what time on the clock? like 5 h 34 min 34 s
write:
2 h 14 min 18 s
